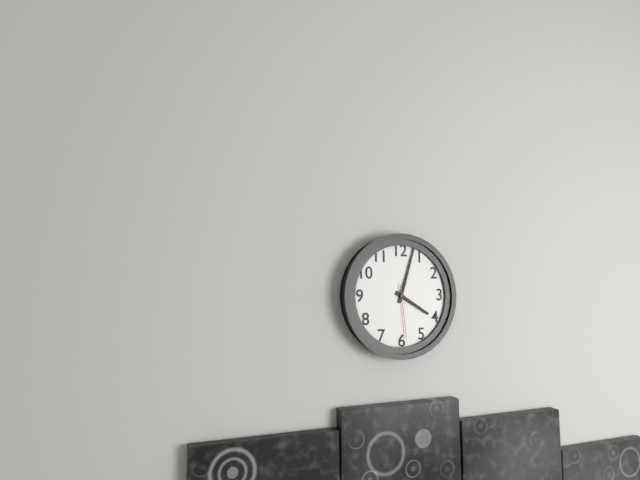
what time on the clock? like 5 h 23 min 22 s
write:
4 h 03 min 29 s
